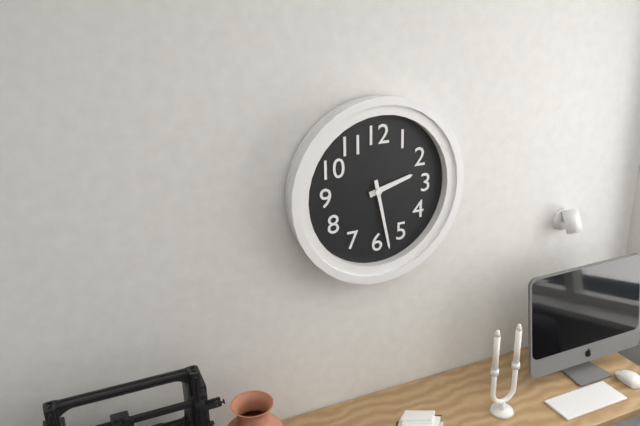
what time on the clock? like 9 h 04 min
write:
2 h 28 min
